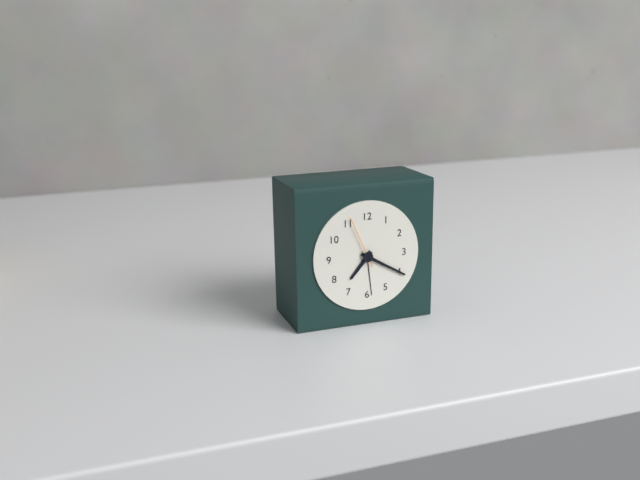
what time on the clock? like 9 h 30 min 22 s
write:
7 h 20 min 56 s
